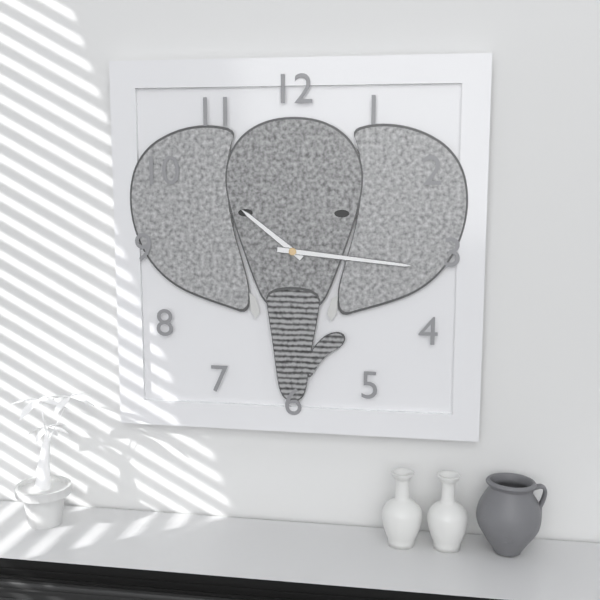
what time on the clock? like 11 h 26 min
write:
10 h 16 min
